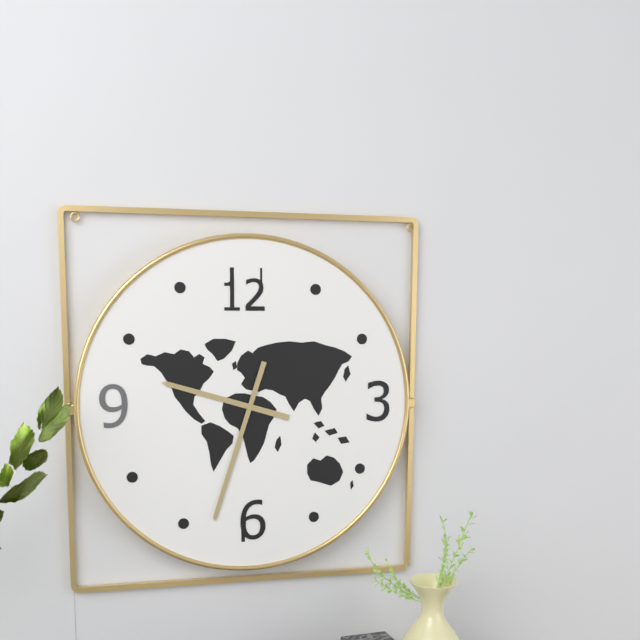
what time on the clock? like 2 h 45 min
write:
9 h 33 min
